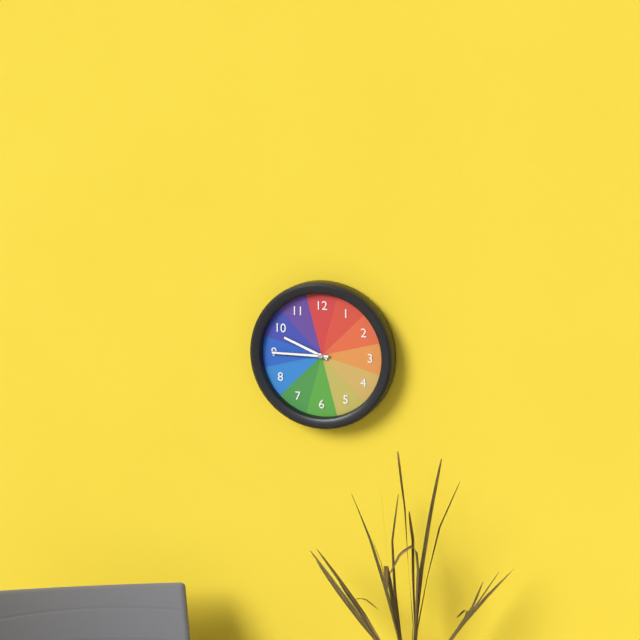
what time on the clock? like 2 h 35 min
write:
9 h 45 min
